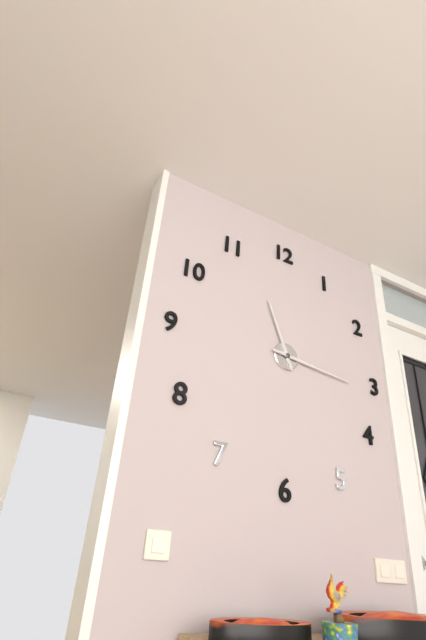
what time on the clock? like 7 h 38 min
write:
11 h 16 min
